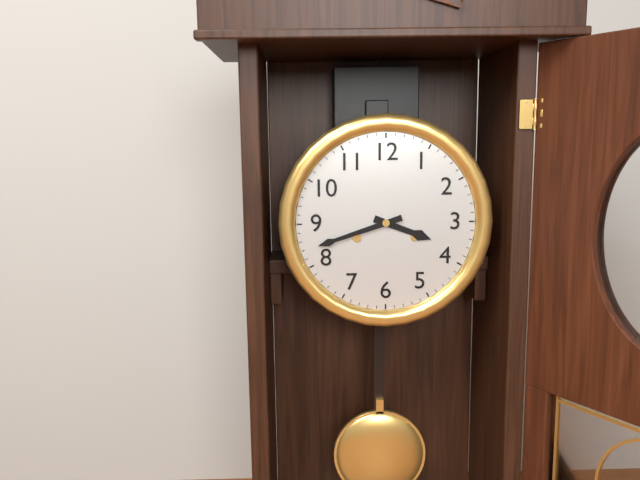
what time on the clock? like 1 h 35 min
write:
3 h 42 min
